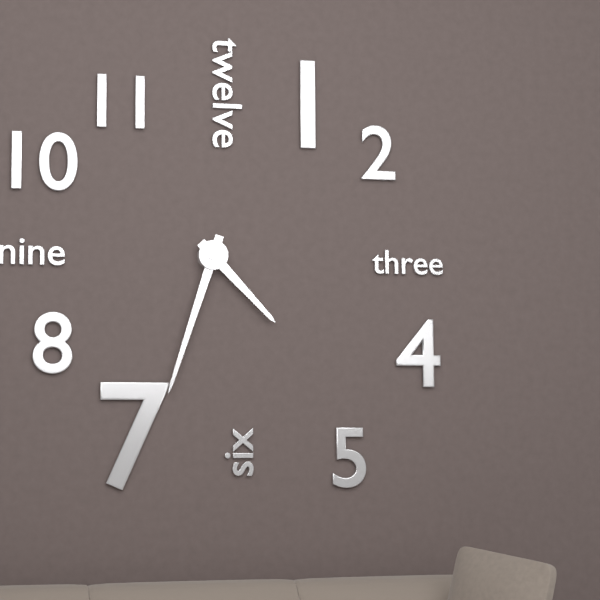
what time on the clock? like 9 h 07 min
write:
4 h 33 min
